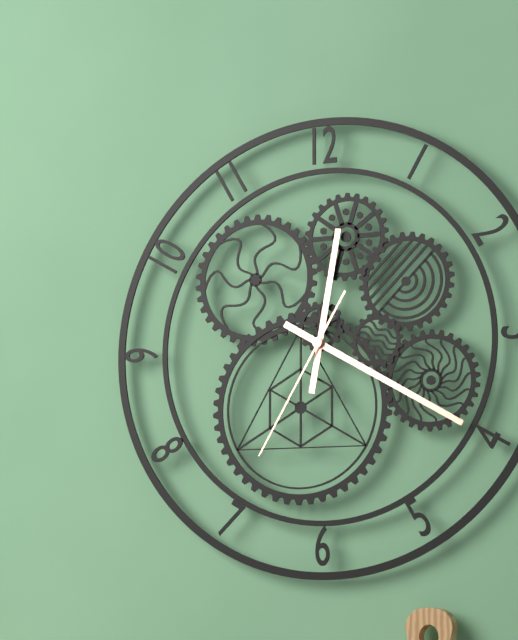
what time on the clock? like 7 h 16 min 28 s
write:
12 h 20 min 35 s
